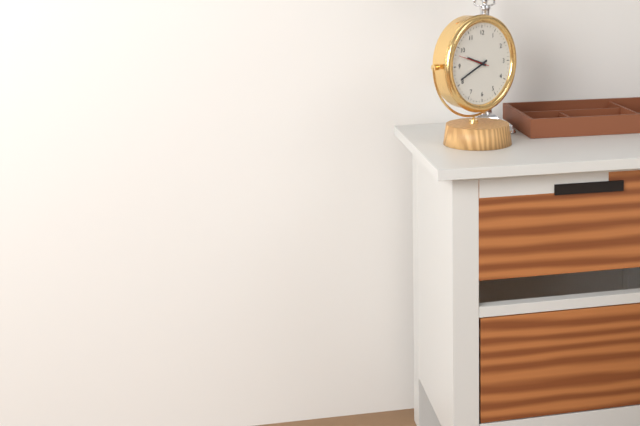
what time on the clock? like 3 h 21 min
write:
9 h 41 min
